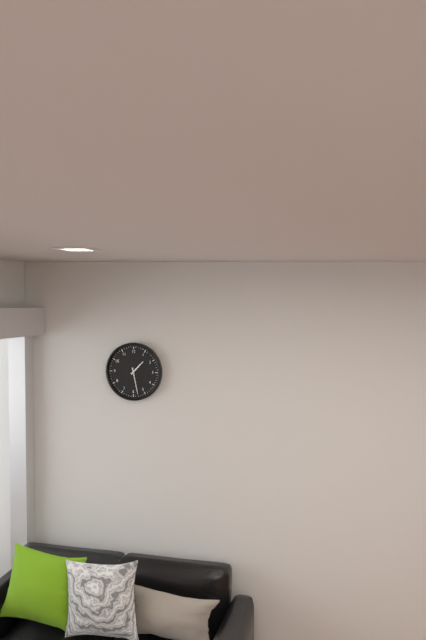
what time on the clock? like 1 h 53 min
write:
1 h 28 min
